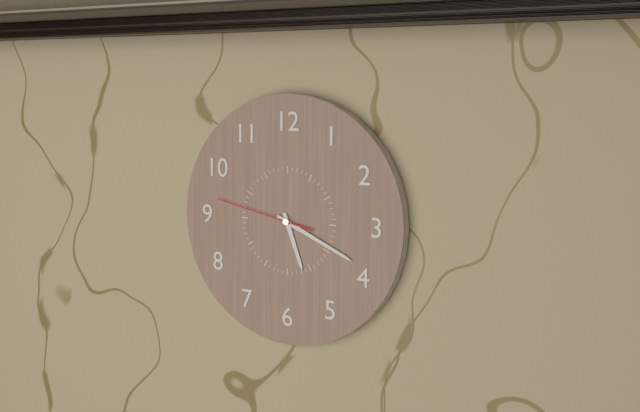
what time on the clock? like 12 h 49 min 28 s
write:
5 h 19 min 47 s
